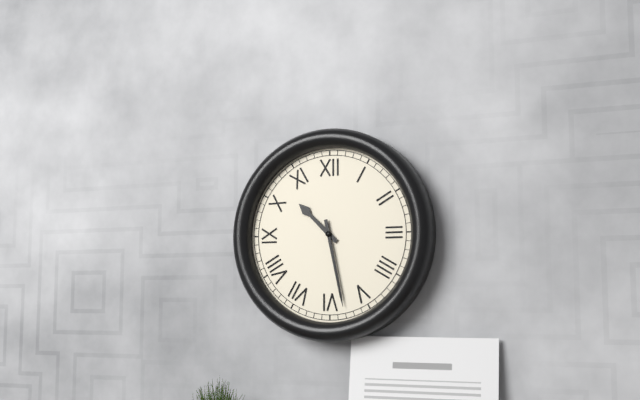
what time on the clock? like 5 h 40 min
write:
10 h 28 min
